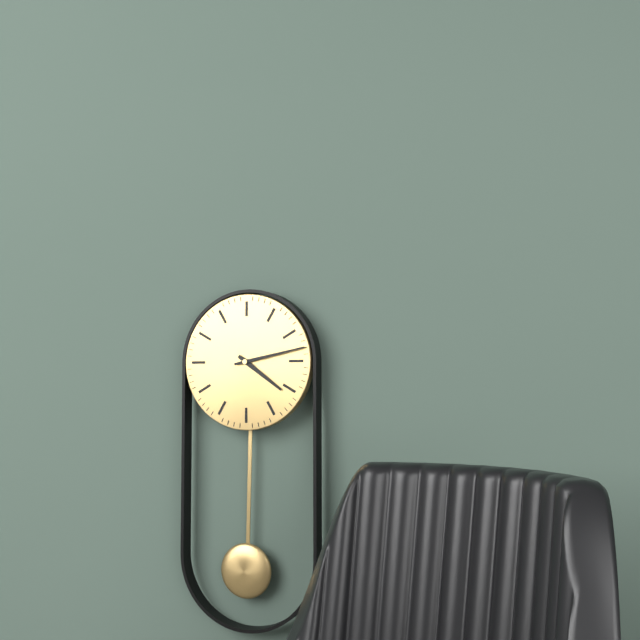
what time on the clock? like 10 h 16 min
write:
4 h 13 min
